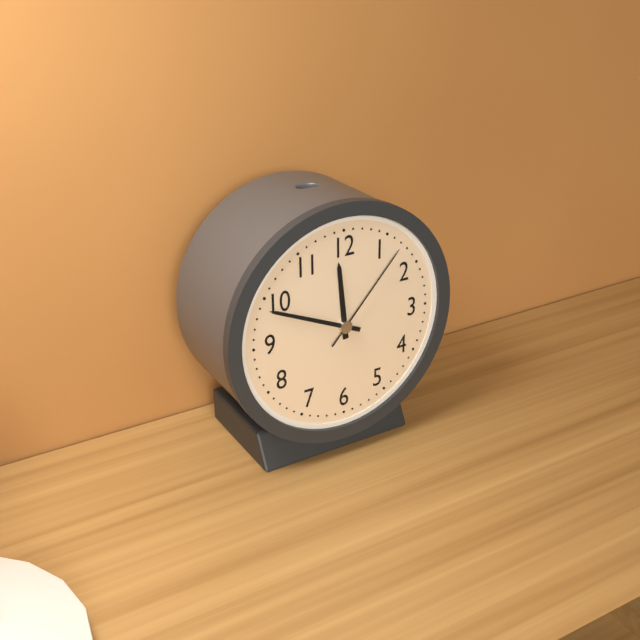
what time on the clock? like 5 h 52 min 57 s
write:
11 h 49 min 07 s
